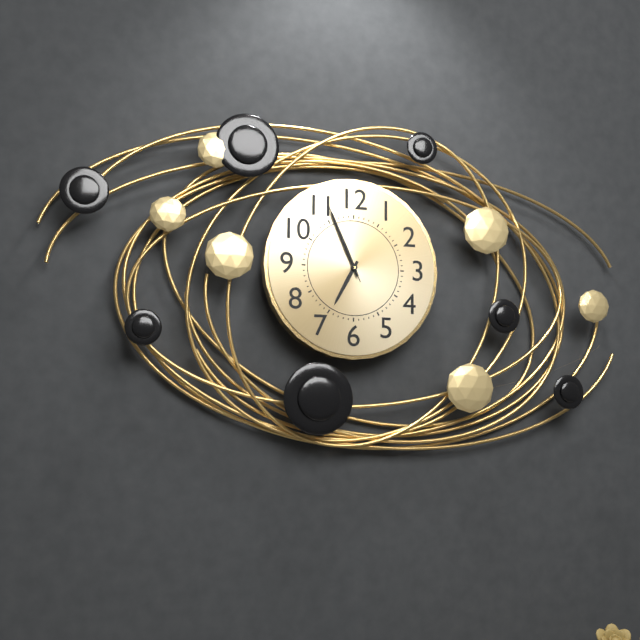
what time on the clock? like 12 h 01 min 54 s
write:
6 h 56 min 56 s
